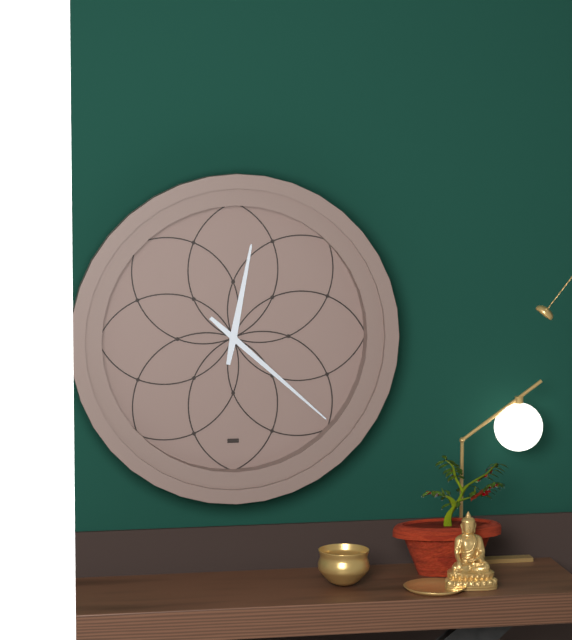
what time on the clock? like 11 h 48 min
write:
12 h 22 min
